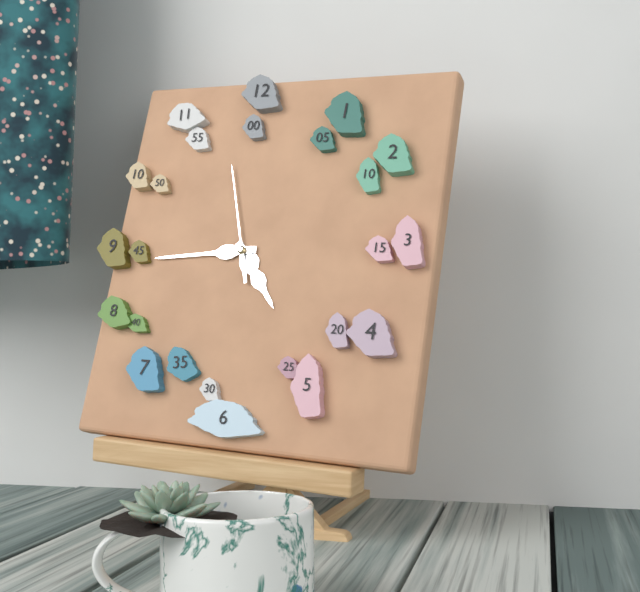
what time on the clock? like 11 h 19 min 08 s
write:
4 h 44 min 57 s
